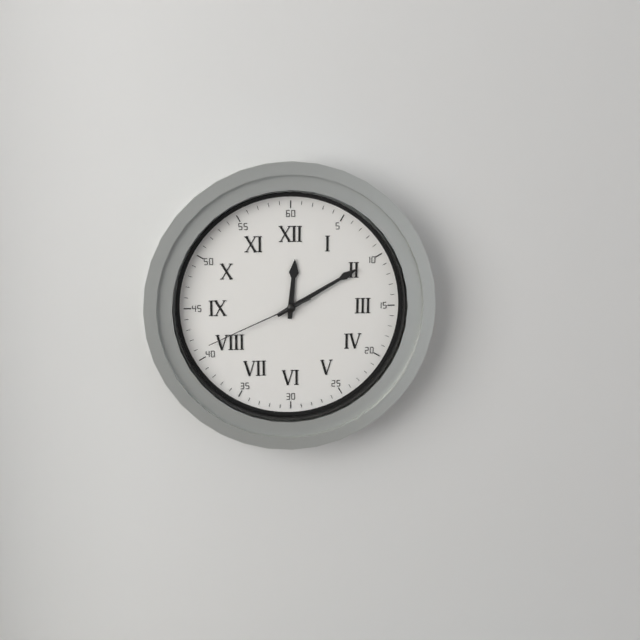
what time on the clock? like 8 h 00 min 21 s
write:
12 h 10 min 41 s
